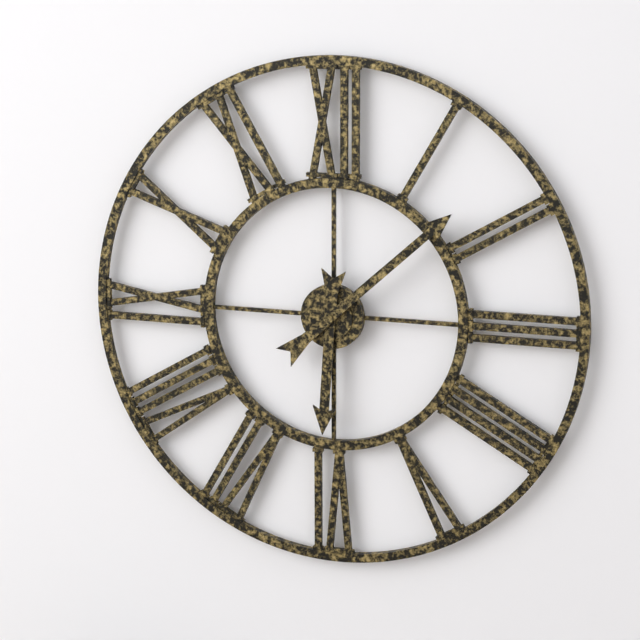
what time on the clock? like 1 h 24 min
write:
6 h 08 min
